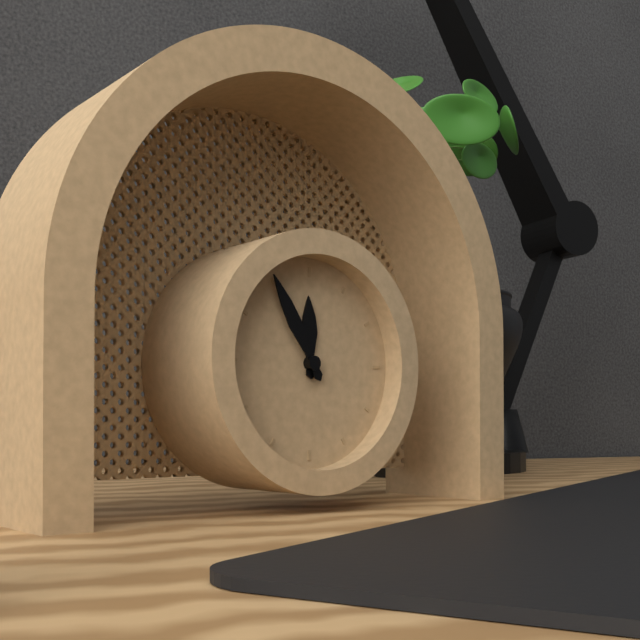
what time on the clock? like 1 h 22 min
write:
11 h 55 min
